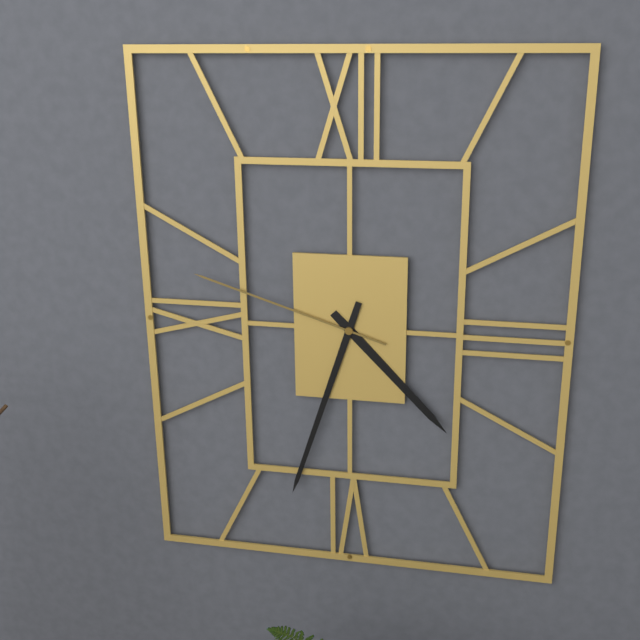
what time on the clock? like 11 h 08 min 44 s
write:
4 h 33 min 48 s
